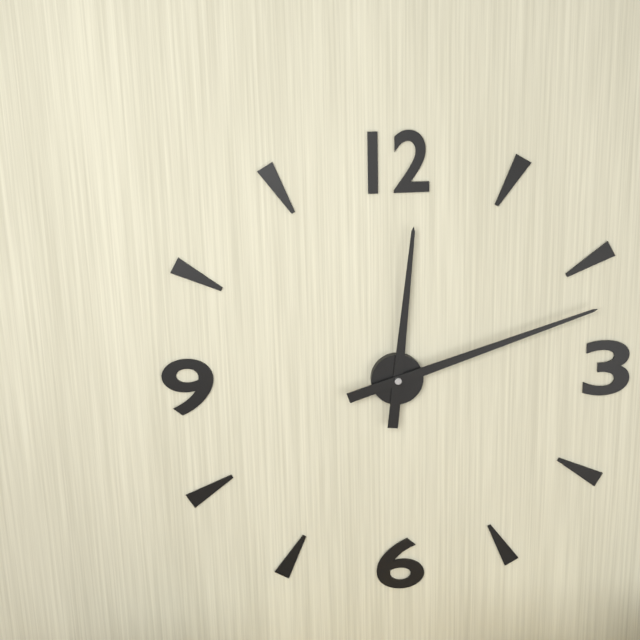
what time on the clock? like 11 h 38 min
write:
12 h 12 min
